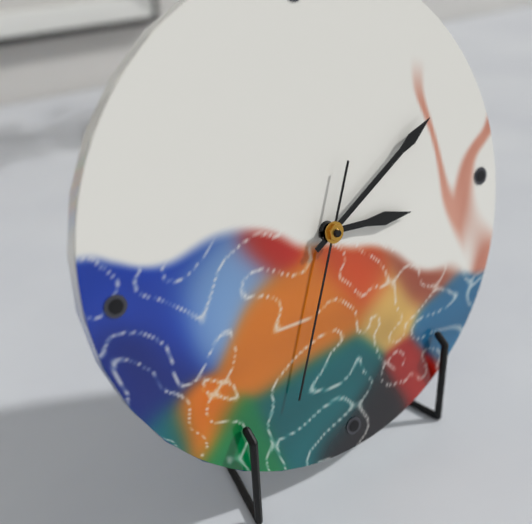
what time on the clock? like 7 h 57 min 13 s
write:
3 h 10 min 34 s
